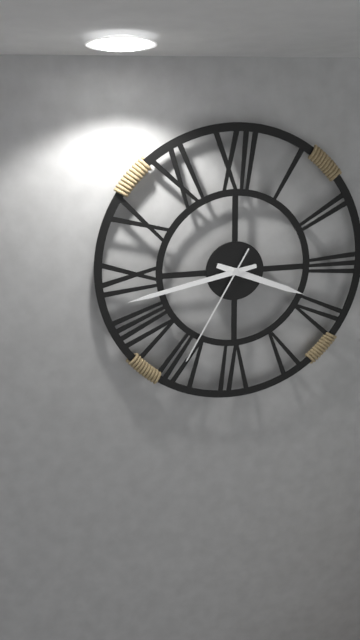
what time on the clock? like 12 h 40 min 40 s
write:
3 h 43 min 35 s
